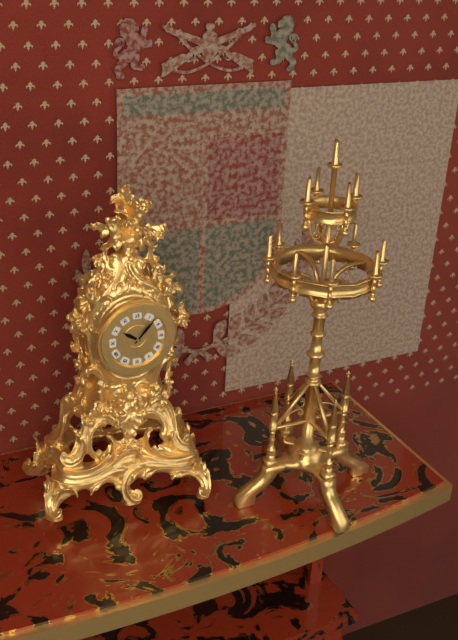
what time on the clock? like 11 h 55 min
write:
10 h 07 min
